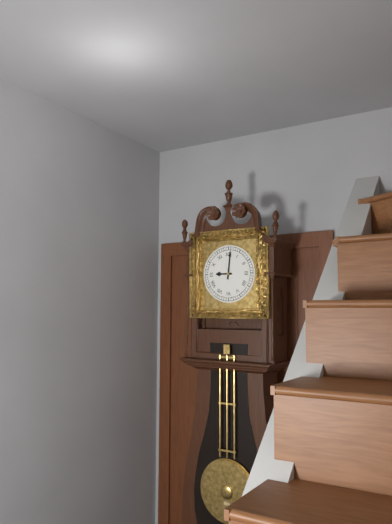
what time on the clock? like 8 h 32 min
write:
9 h 01 min
